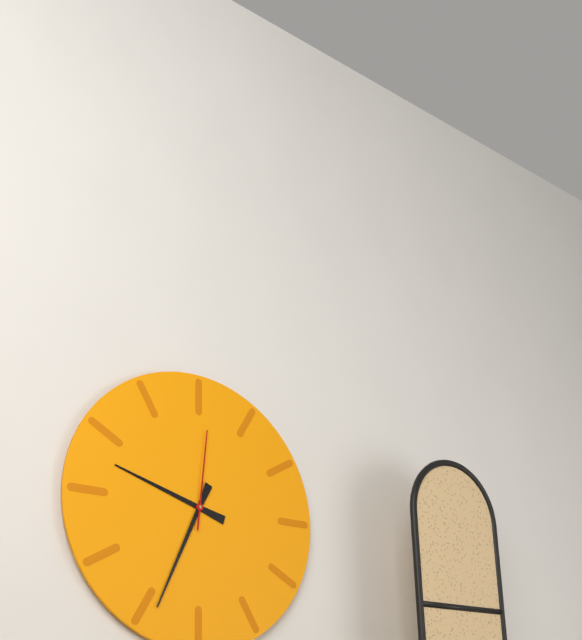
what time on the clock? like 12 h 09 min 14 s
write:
9 h 34 min 01 s
